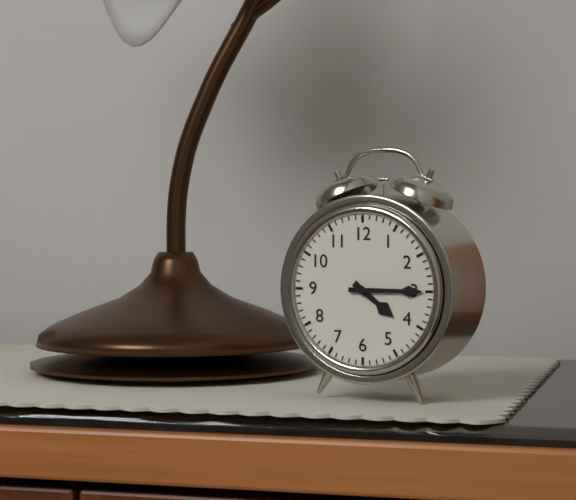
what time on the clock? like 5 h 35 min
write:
4 h 15 min
